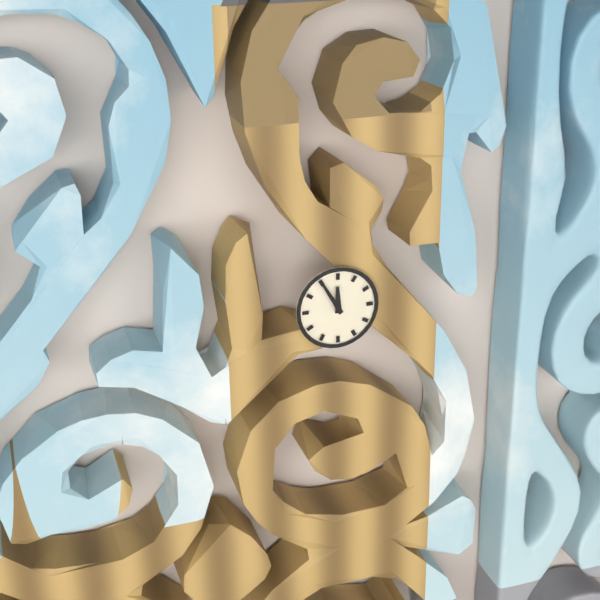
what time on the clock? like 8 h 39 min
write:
11 h 55 min
